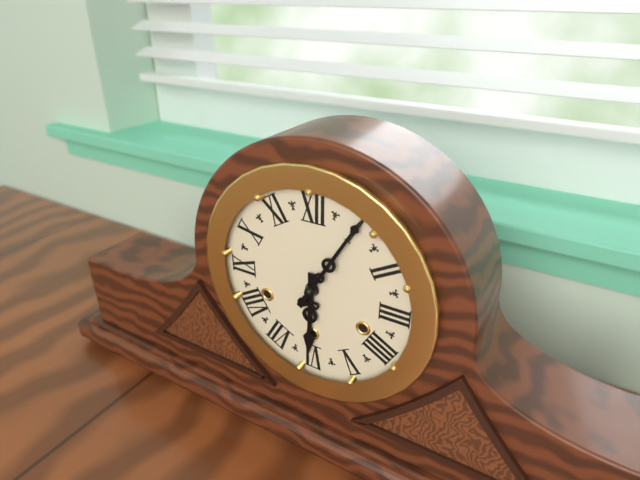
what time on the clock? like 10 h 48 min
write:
6 h 05 min
